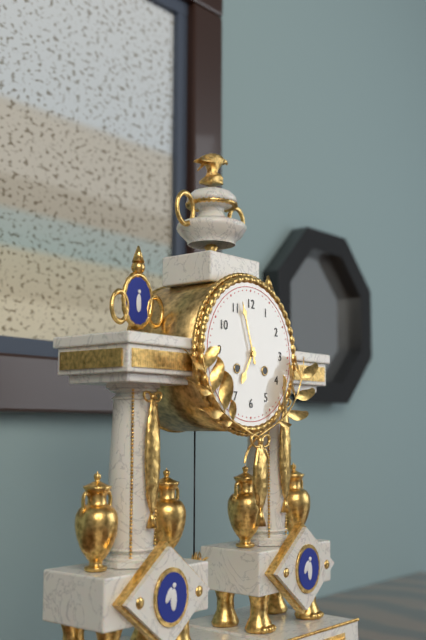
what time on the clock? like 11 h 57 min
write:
6 h 57 min
